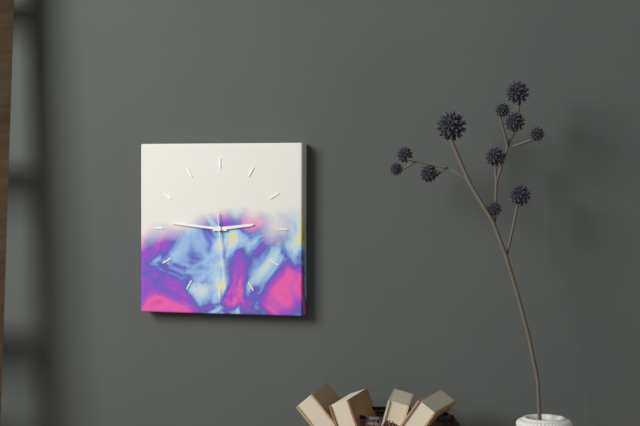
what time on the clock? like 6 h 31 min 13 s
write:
2 h 46 min 29 s
